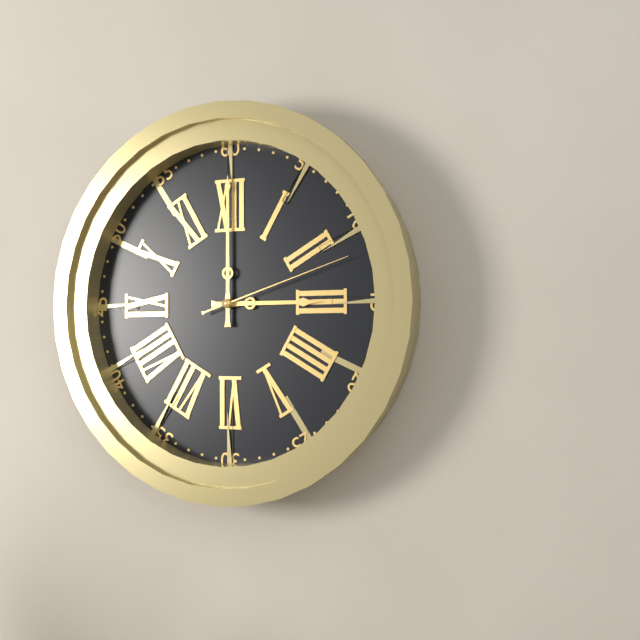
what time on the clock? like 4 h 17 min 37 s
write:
3 h 00 min 12 s
